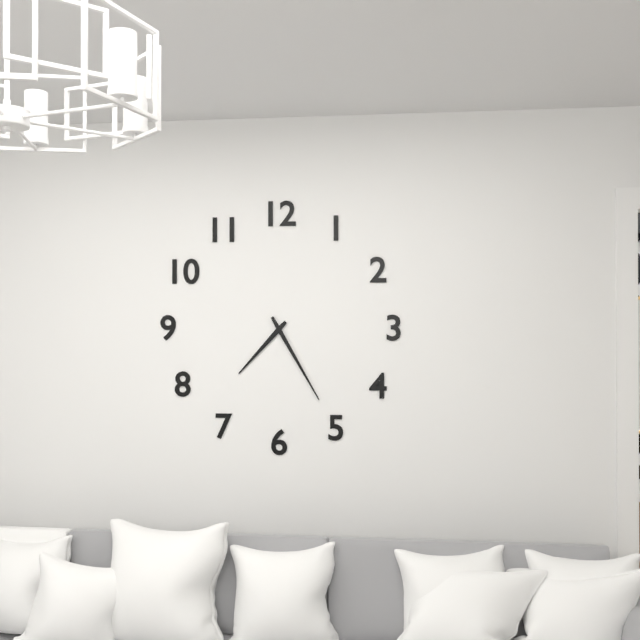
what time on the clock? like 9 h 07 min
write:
7 h 25 min
